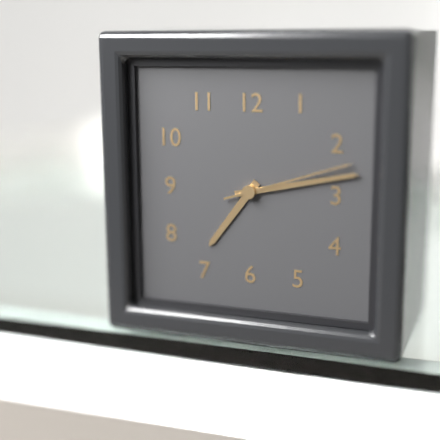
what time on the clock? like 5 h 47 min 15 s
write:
7 h 13 min 12 s
